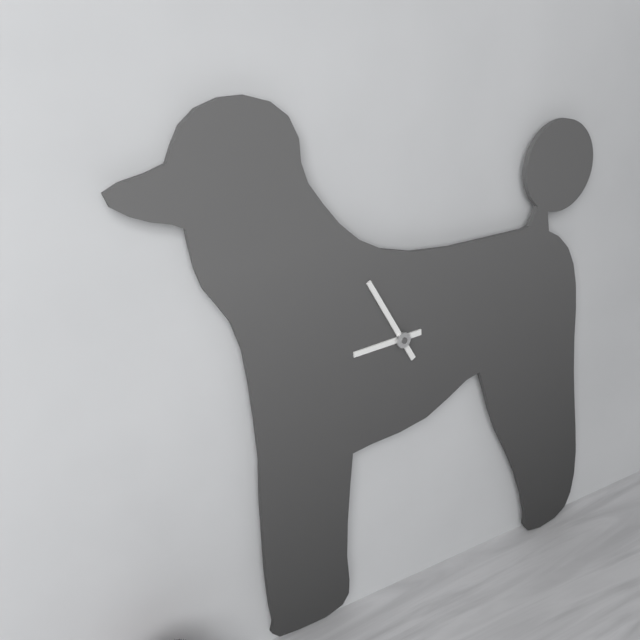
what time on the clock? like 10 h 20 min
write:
8 h 55 min
